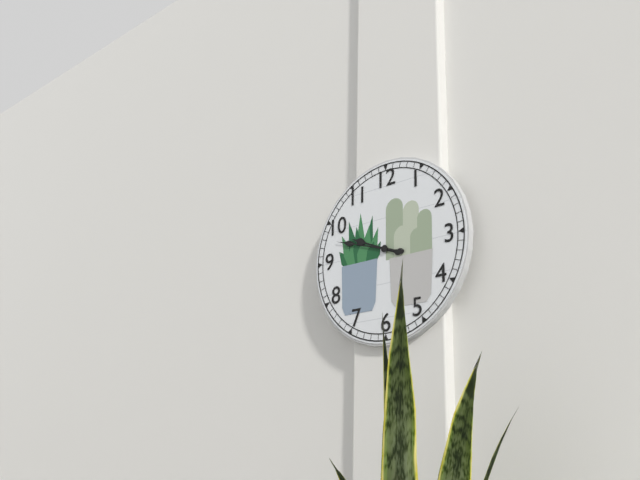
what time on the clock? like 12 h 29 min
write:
9 h 48 min
